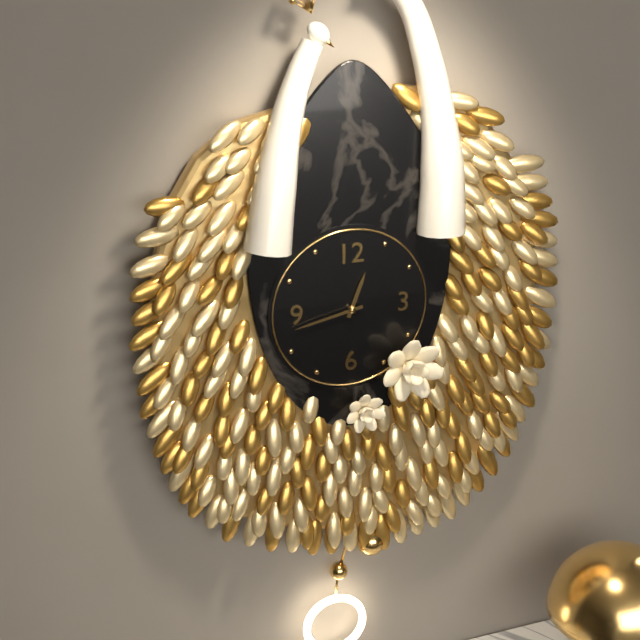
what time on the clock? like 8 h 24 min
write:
12 h 43 min
